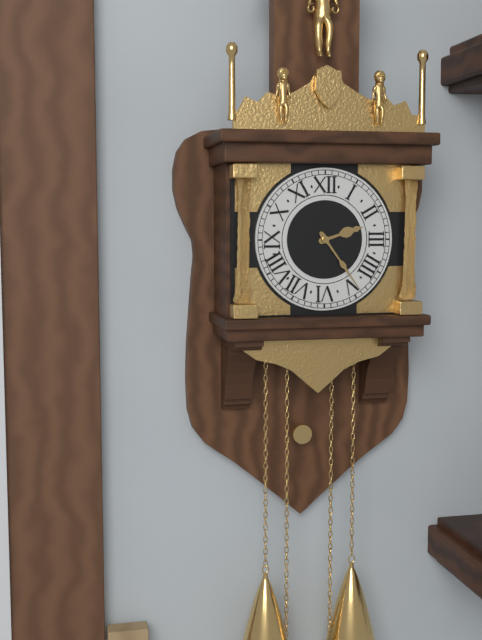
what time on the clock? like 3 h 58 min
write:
2 h 24 min
